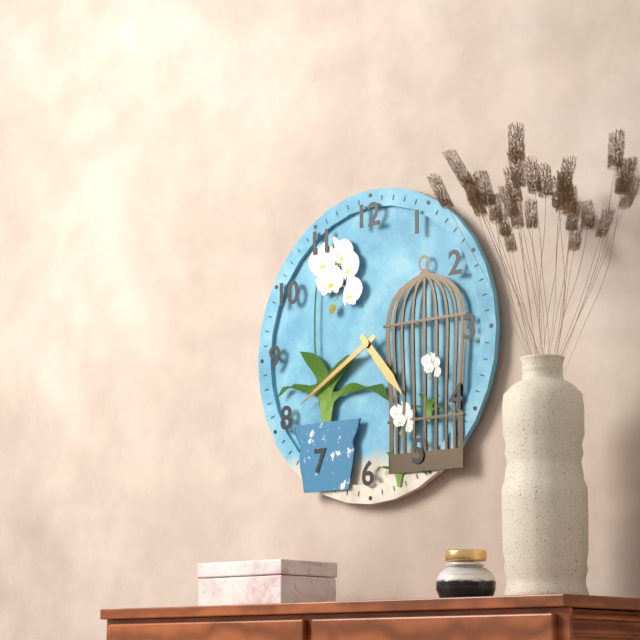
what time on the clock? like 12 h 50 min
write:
4 h 40 min
